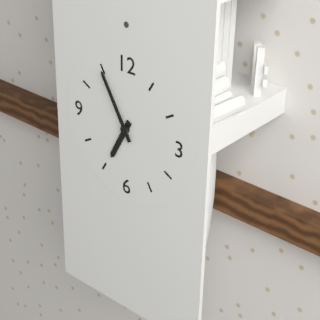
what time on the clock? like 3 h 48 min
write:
6 h 55 min
